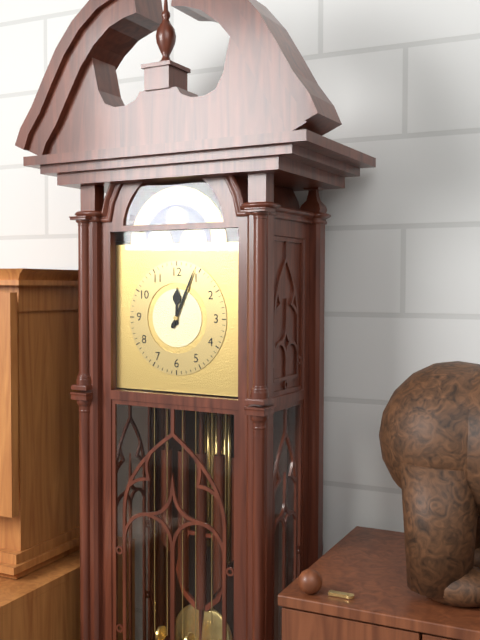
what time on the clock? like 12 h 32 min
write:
12 h 04 min
